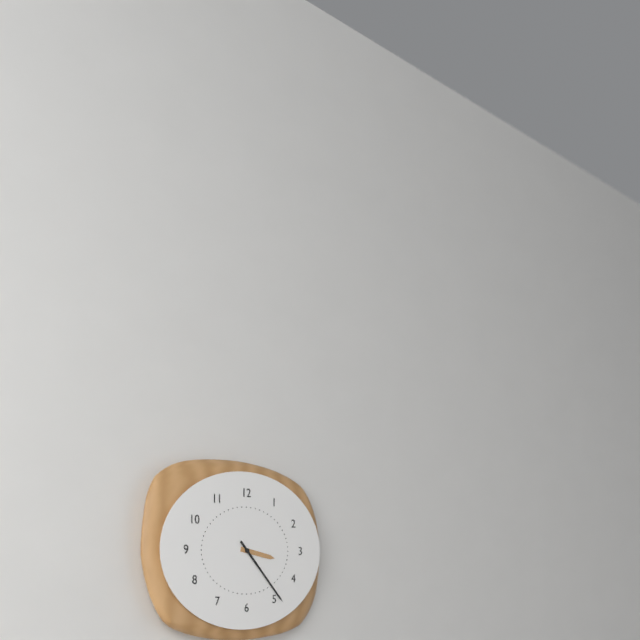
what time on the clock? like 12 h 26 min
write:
3 h 23 min
